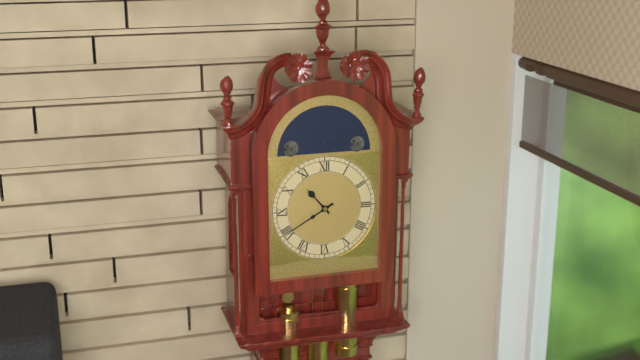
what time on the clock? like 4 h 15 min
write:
10 h 40 min
